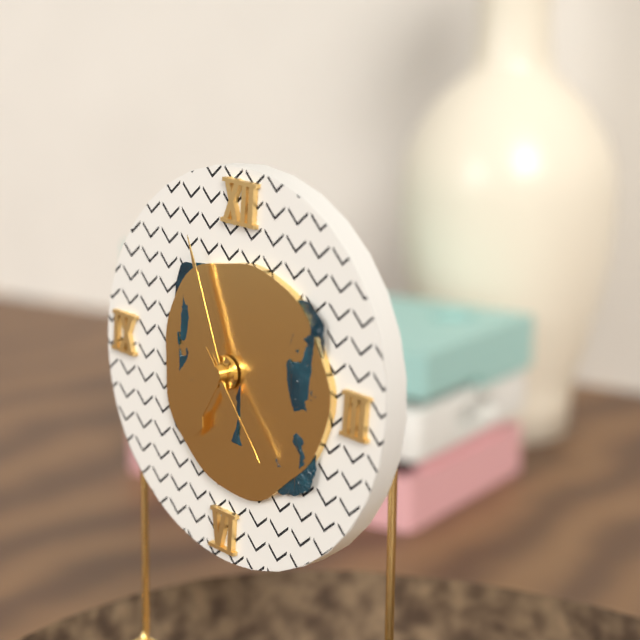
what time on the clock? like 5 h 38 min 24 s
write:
6 h 56 min 23 s
